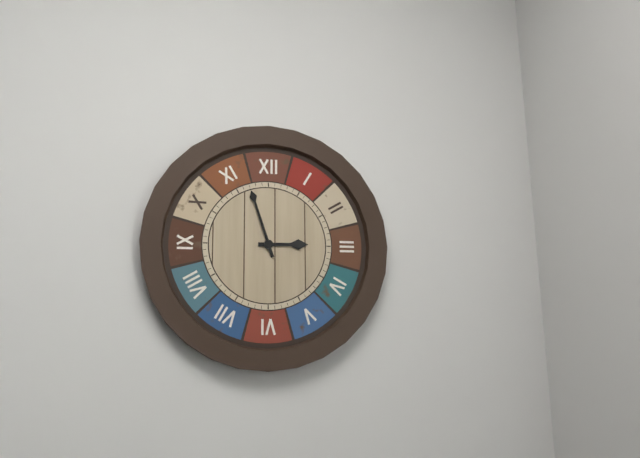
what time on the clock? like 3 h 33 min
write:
2 h 57 min
